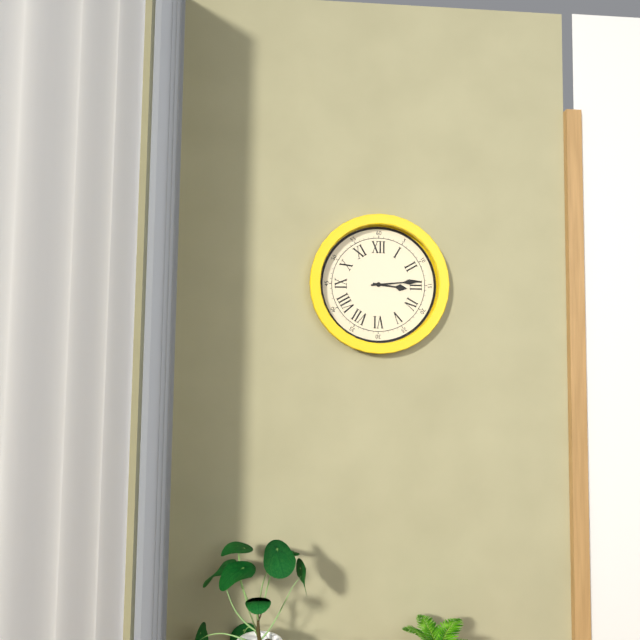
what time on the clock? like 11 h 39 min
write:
3 h 14 min
